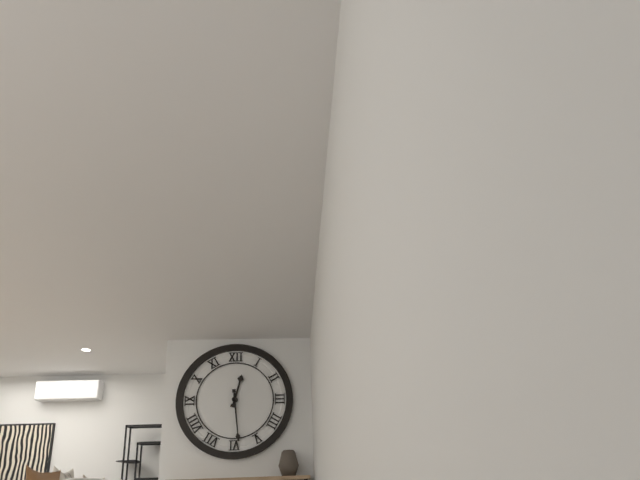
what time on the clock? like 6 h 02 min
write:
12 h 29 min
